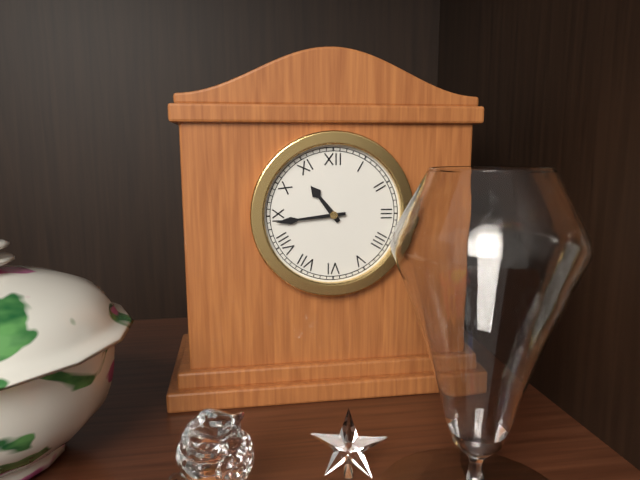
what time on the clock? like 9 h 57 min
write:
10 h 44 min
